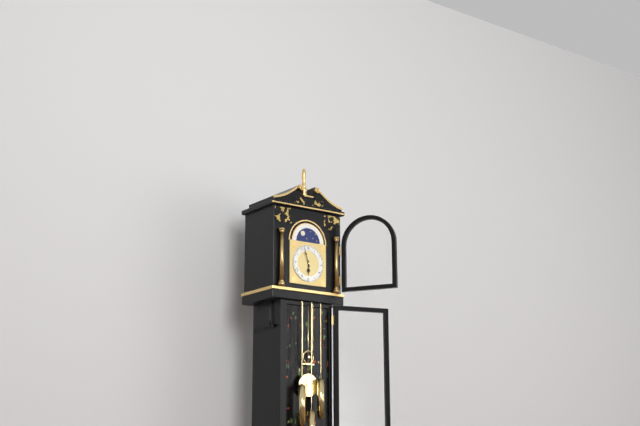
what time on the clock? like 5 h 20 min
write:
5 h 57 min
